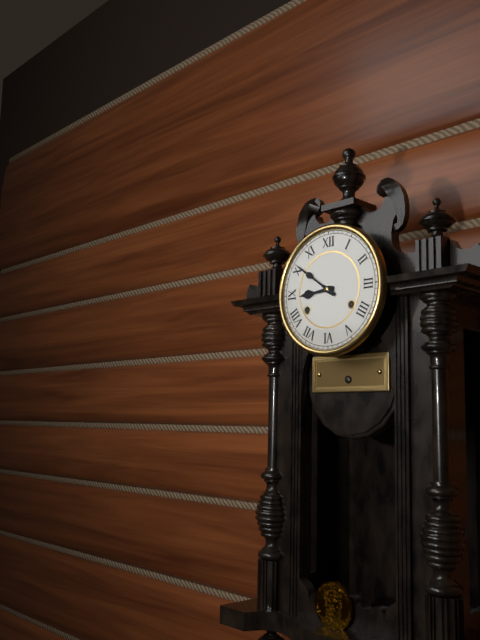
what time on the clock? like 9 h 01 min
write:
8 h 51 min
